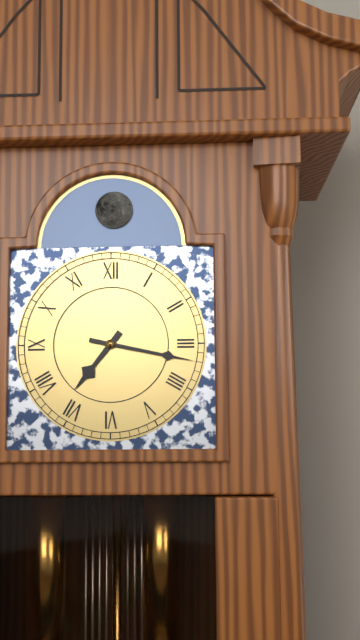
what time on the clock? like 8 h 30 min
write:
7 h 17 min
